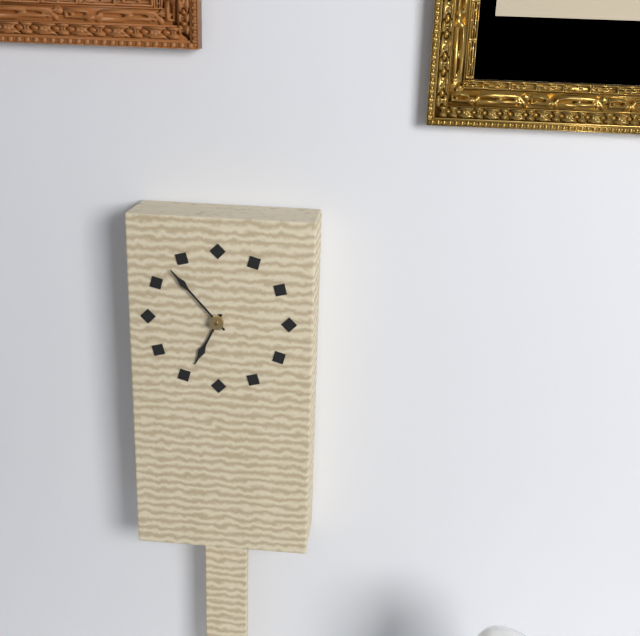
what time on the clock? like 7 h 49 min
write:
6 h 53 min
